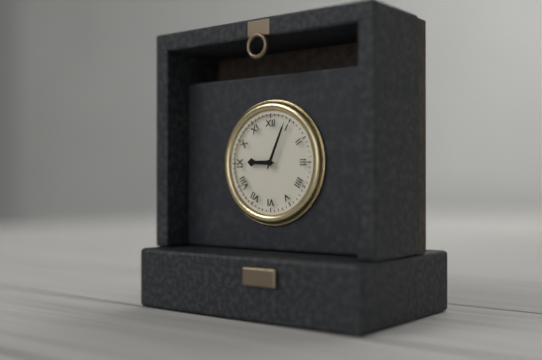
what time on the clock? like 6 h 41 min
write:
9 h 04 min
